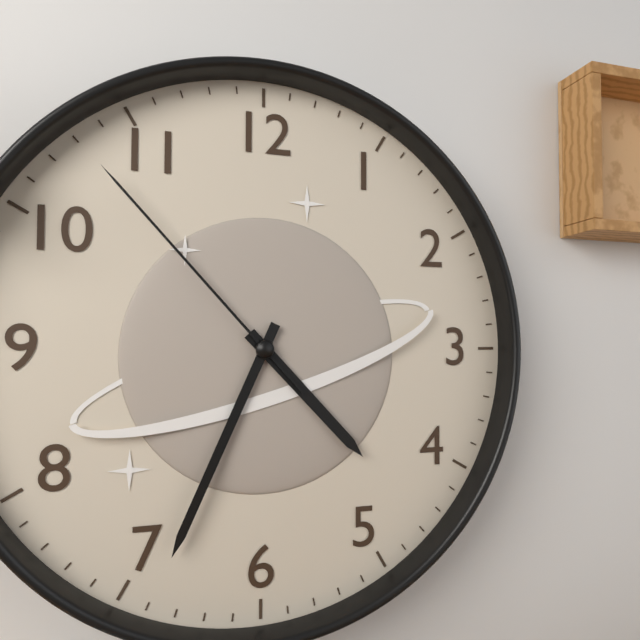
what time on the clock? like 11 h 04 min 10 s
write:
4 h 34 min 53 s
